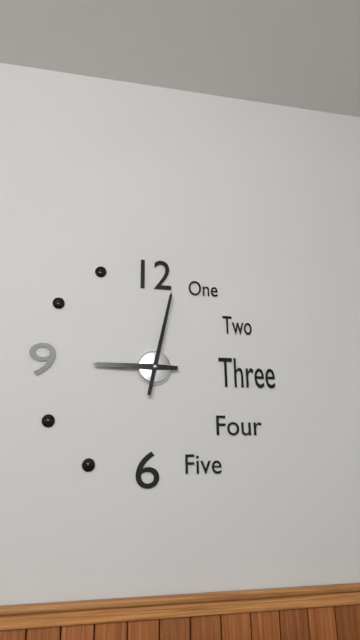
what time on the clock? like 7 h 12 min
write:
9 h 02 min
